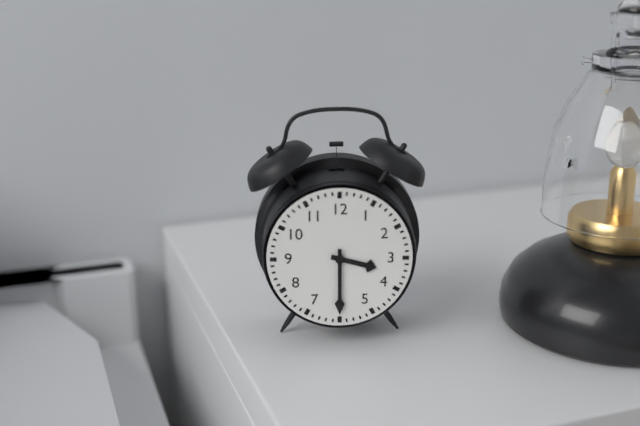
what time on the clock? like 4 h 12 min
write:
3 h 30 min
